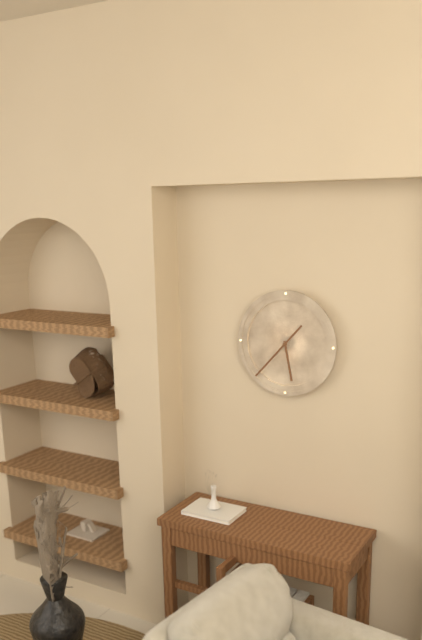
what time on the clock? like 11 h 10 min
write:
5 h 37 min
